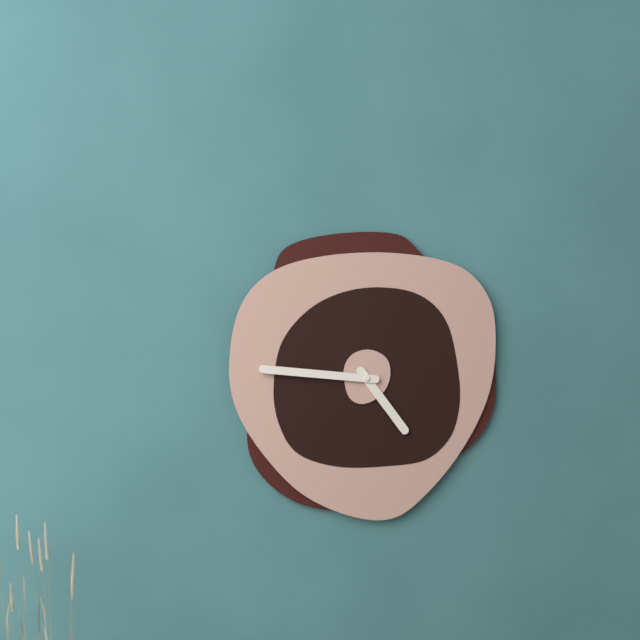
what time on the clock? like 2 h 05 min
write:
4 h 46 min
